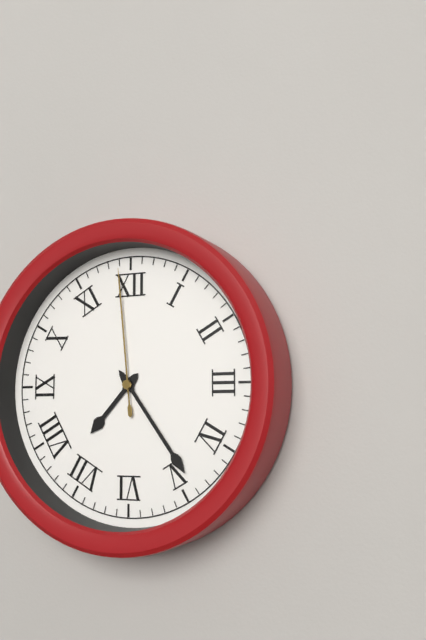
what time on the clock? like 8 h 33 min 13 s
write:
7 h 24 min 59 s
